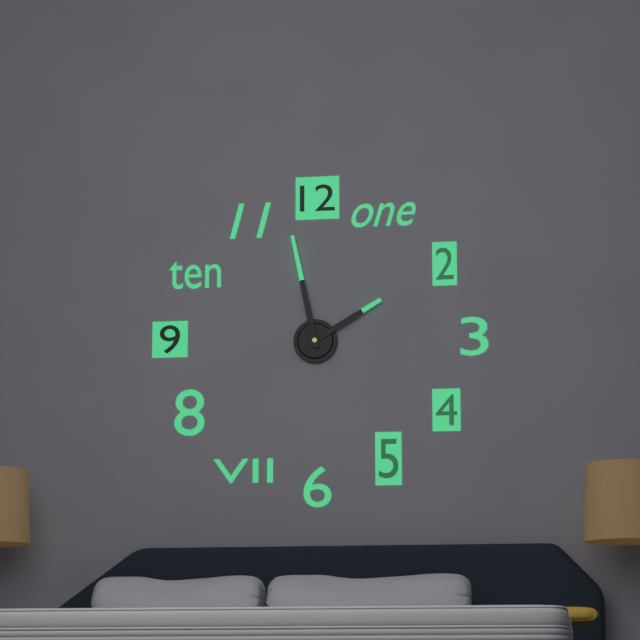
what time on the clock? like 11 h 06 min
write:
1 h 58 min
